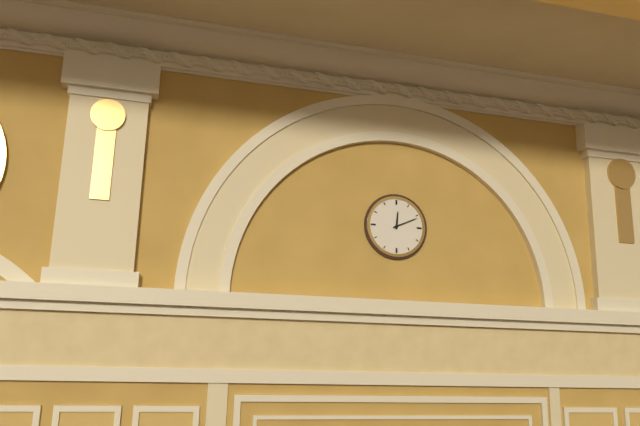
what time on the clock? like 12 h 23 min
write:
12 h 11 min
